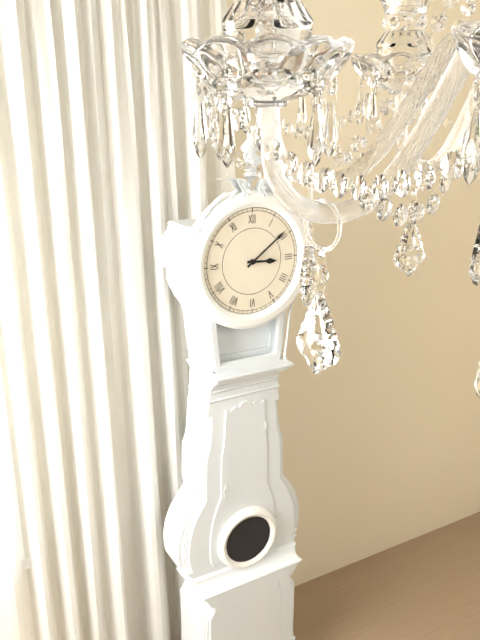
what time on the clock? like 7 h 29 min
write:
3 h 09 min
